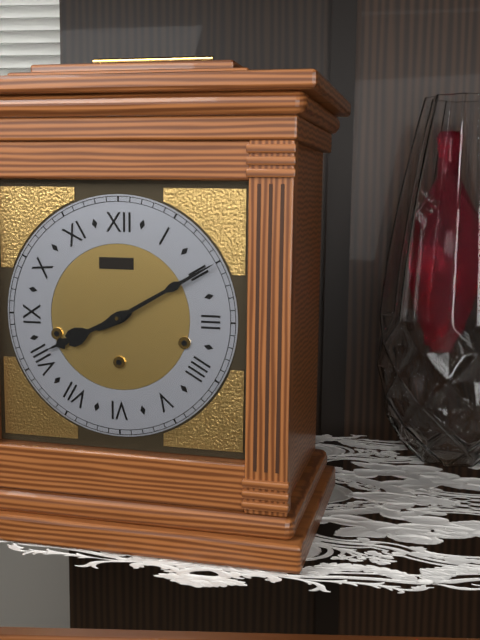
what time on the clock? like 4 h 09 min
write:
8 h 10 min
